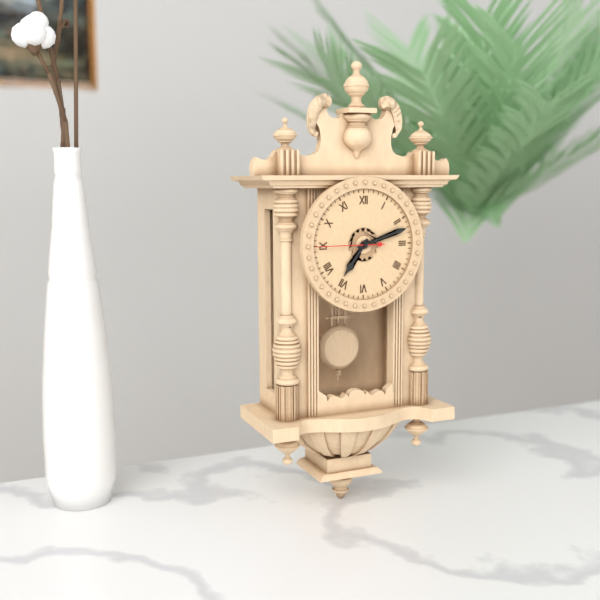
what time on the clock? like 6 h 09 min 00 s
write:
7 h 12 min 45 s
